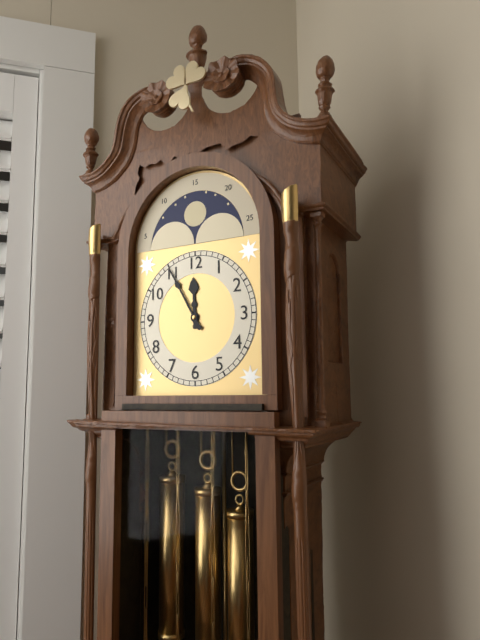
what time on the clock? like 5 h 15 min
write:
11 h 55 min
